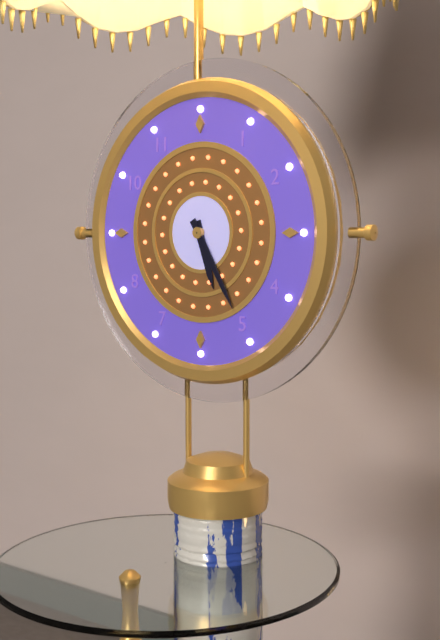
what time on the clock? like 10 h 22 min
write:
5 h 25 min
